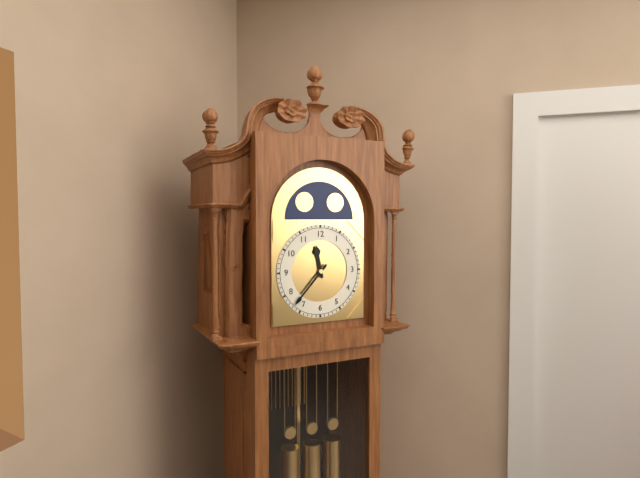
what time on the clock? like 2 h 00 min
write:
11 h 37 min
